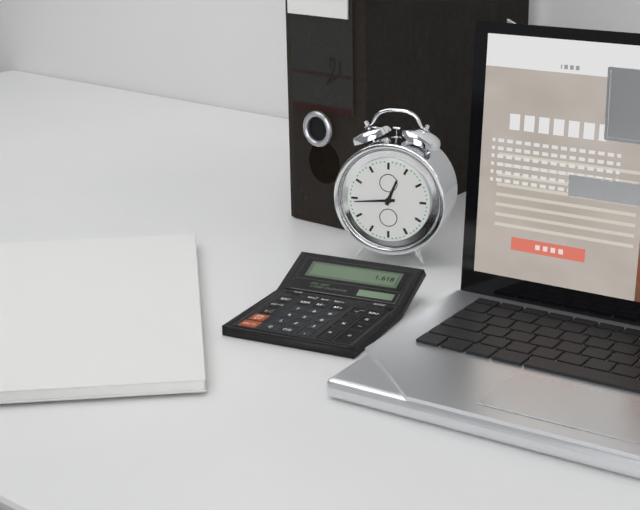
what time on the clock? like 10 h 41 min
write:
12 h 44 min
